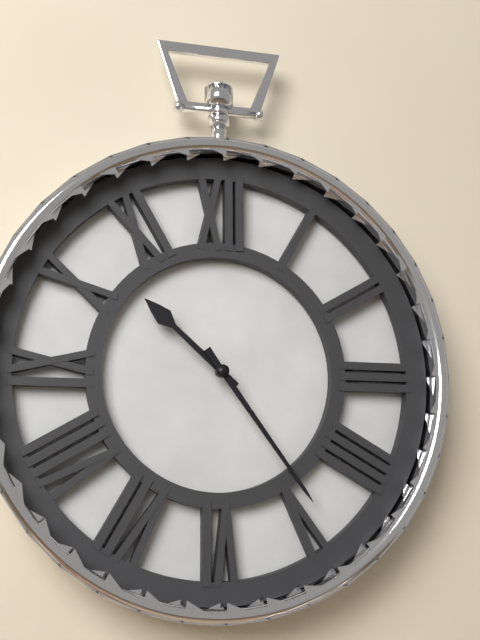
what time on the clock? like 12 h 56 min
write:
10 h 24 min
